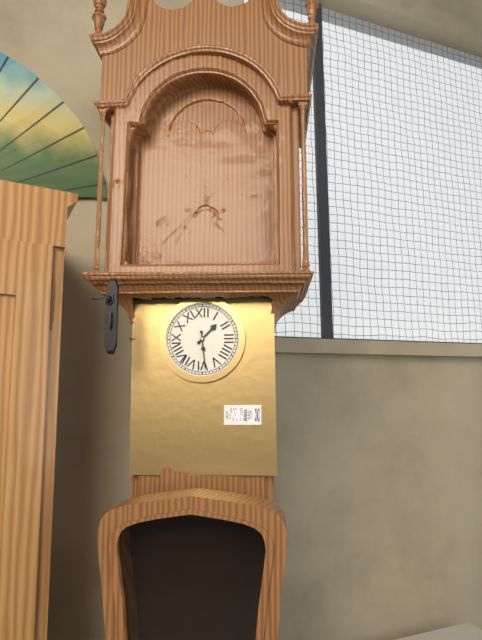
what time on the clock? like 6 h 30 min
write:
1 h 29 min
